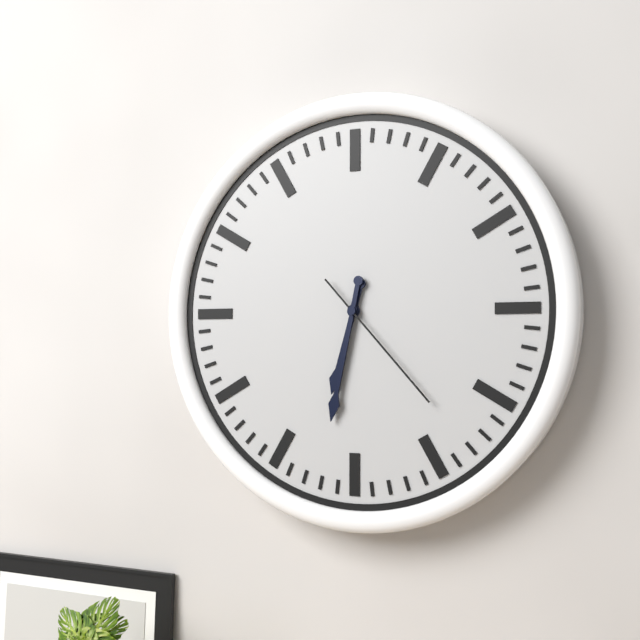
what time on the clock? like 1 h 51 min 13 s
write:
6 h 32 min 23 s
